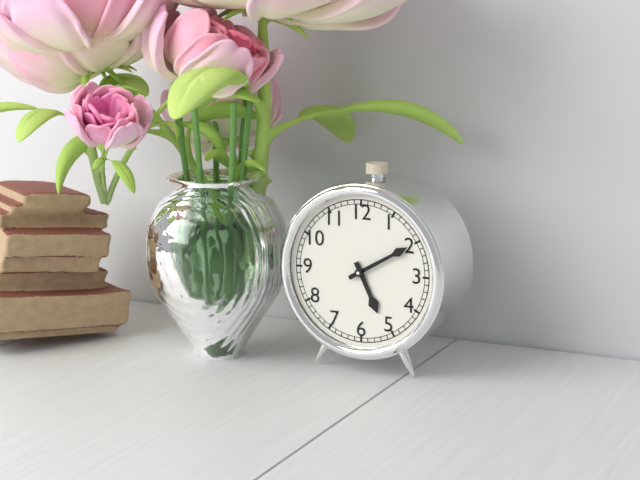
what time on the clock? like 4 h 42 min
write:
5 h 10 min
